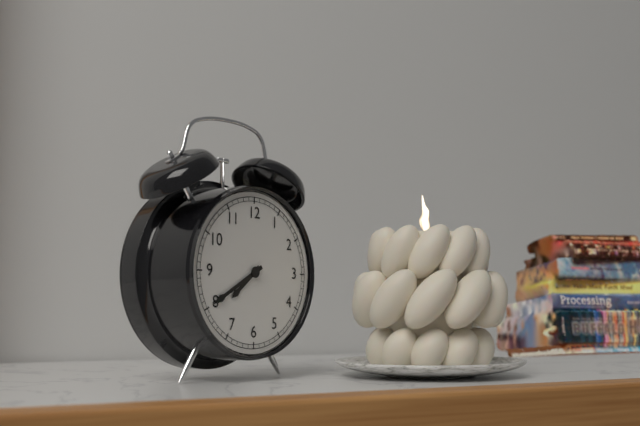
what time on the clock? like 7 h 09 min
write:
7 h 40 min
